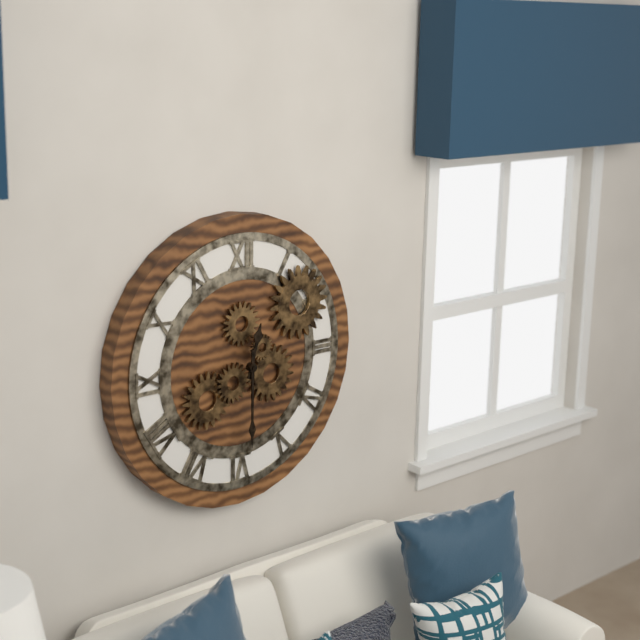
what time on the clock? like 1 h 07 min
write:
12 h 30 min
